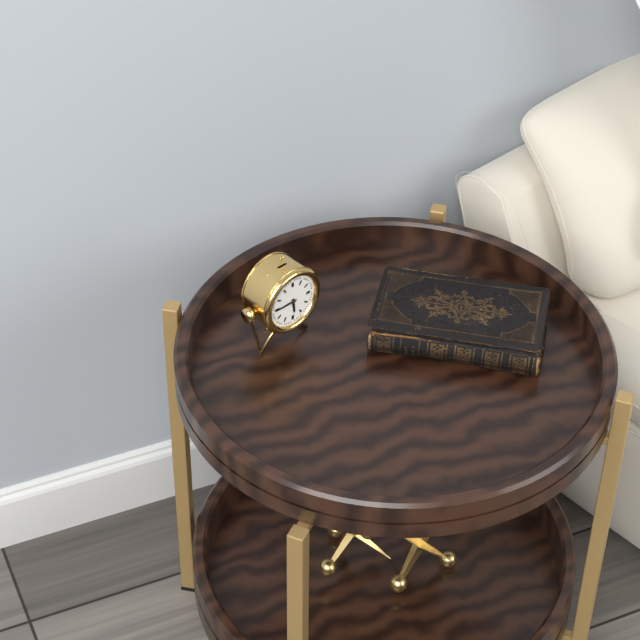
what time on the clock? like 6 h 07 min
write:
5 h 45 min
